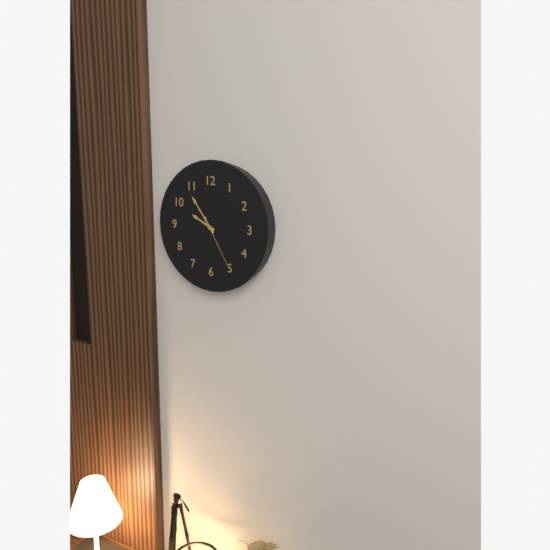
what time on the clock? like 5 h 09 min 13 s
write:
9 h 54 min 25 s
